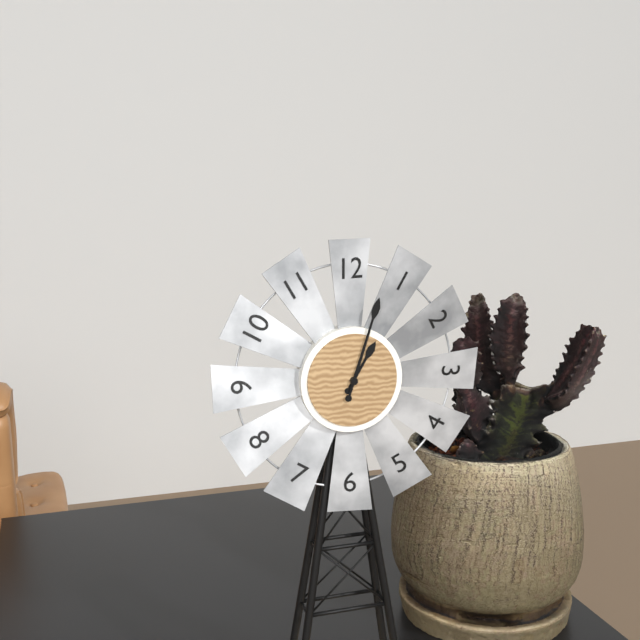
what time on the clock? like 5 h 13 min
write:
1 h 03 min
